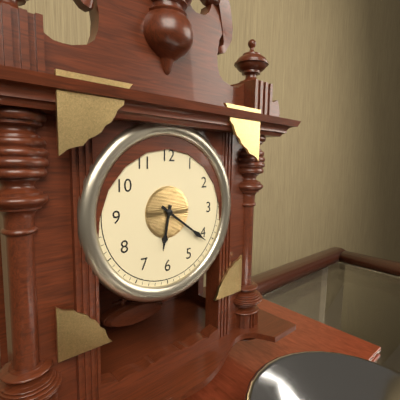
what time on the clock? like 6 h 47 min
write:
6 h 21 min
